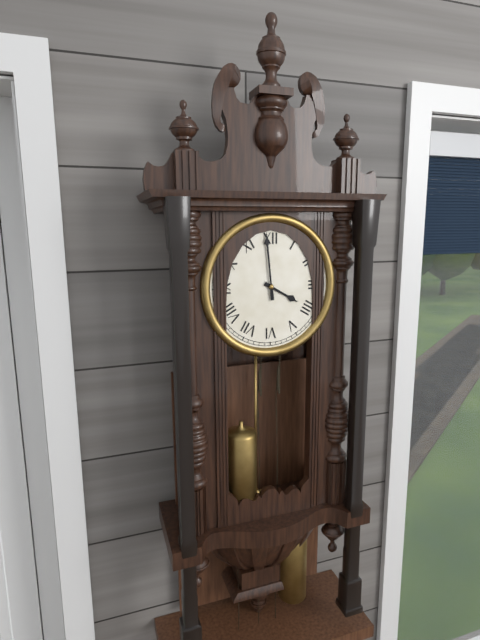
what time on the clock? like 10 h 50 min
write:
3 h 59 min
